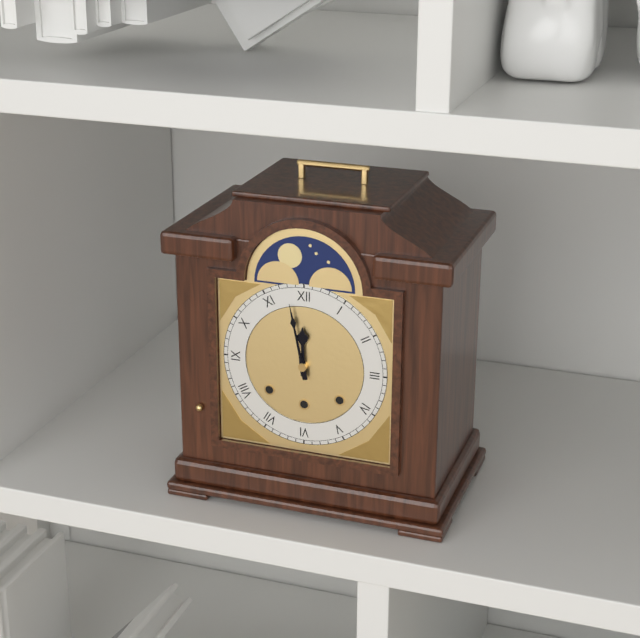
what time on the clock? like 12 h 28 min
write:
11 h 58 min
